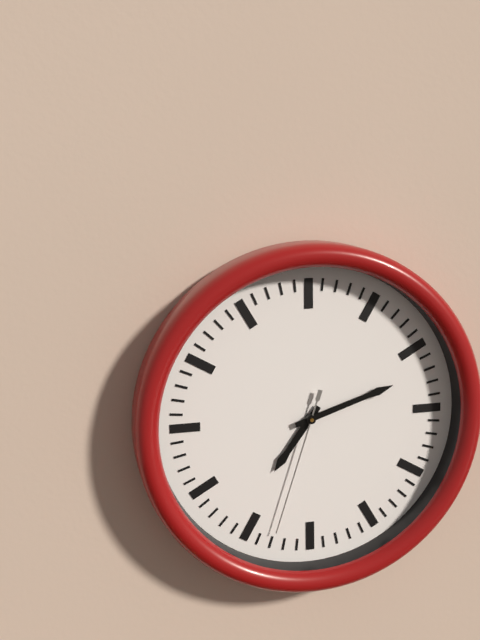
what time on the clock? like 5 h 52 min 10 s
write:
7 h 12 min 33 s
